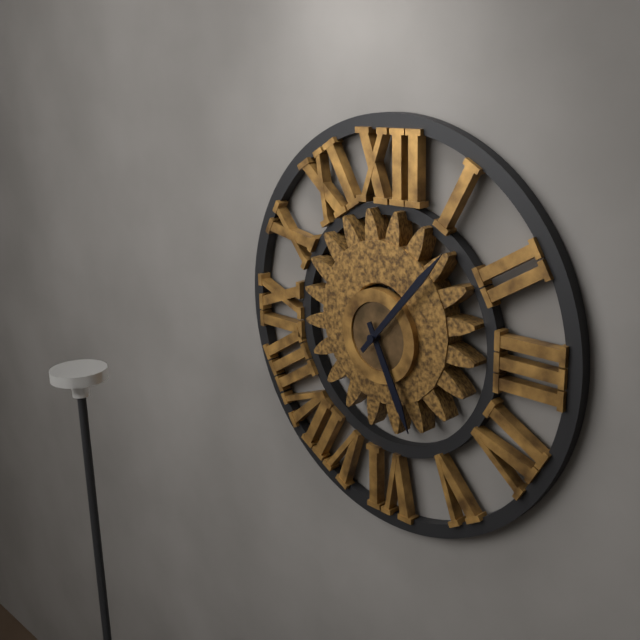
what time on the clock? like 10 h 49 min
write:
5 h 07 min
